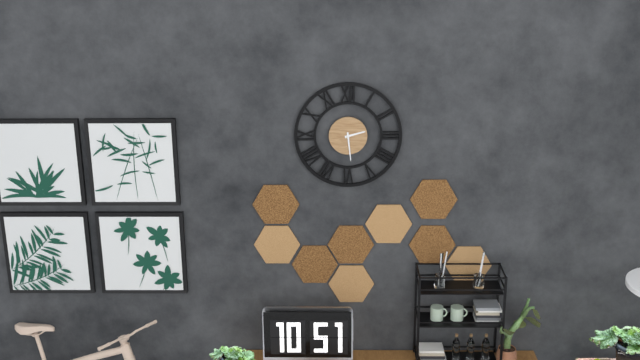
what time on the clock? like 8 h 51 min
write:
2 h 29 min
